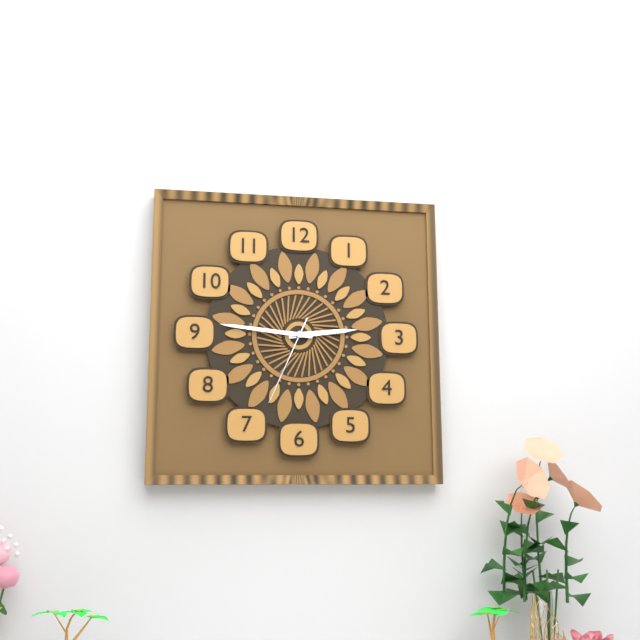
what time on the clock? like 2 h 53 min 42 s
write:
2 h 46 min 34 s
